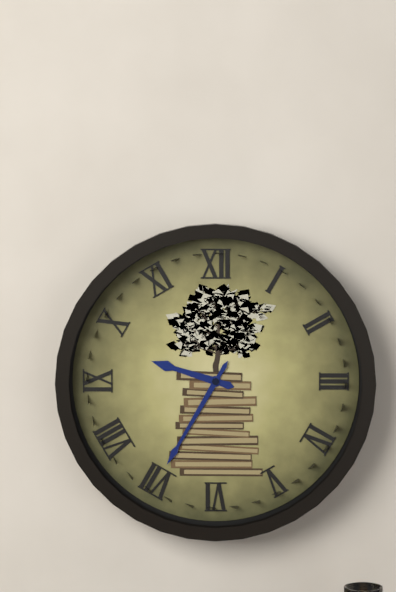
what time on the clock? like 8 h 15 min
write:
9 h 35 min
